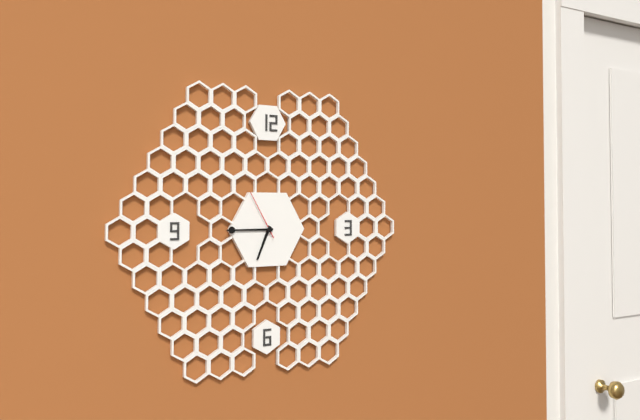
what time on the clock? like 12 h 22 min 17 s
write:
6 h 45 min 55 s
